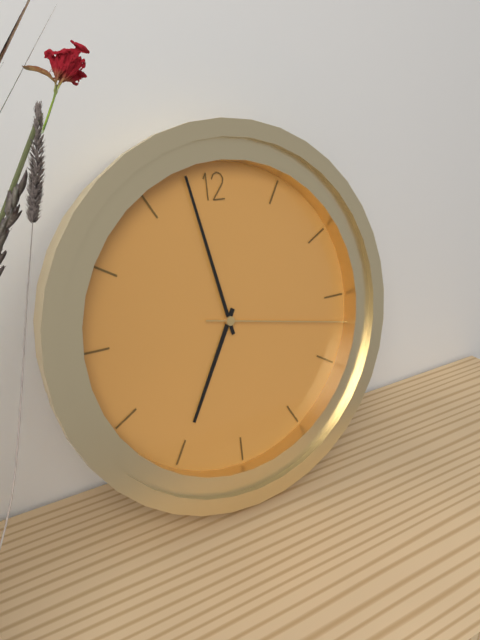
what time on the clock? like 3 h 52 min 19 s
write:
6 h 58 min 17 s
